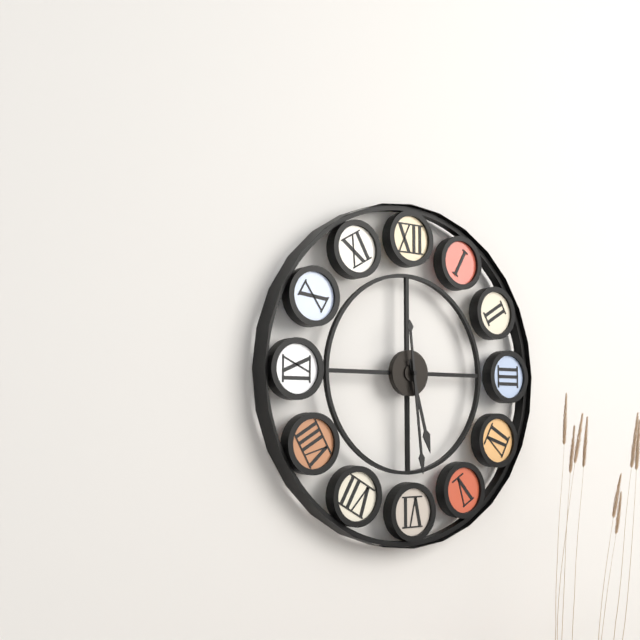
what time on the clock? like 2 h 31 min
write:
5 h 29 min
